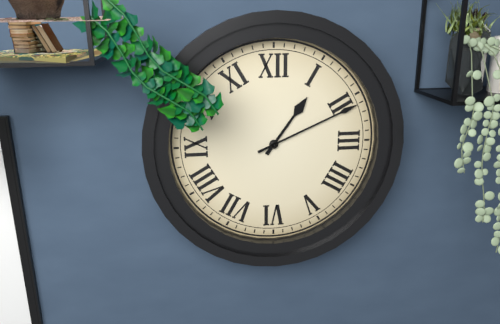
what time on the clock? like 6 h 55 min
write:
1 h 11 min
